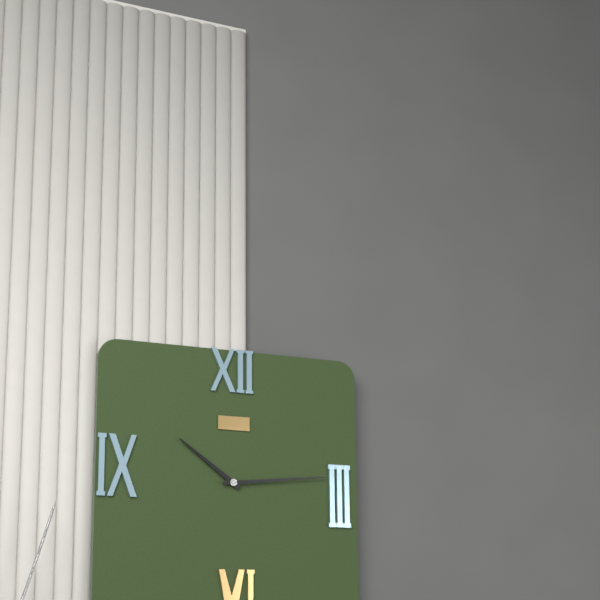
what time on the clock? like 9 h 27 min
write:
10 h 14 min
